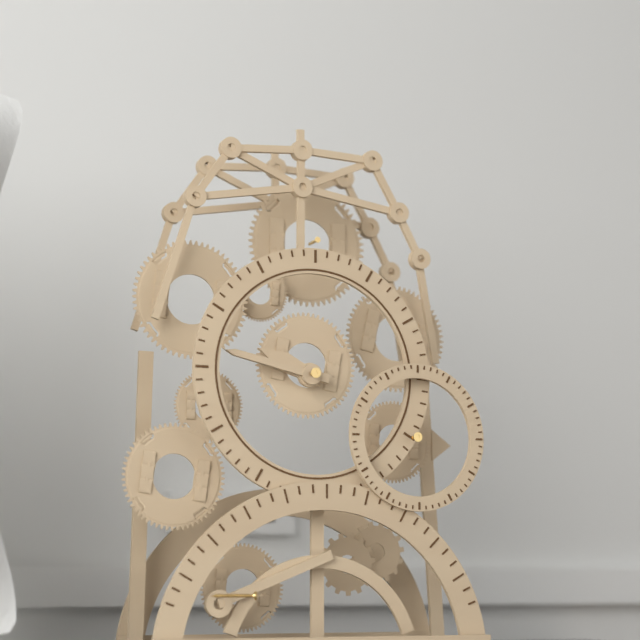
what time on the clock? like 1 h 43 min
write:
9 h 47 min
